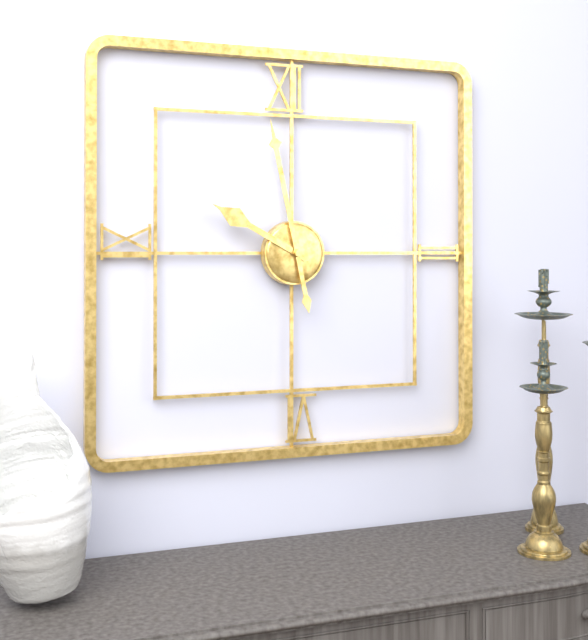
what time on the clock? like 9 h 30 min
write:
9 h 58 min
